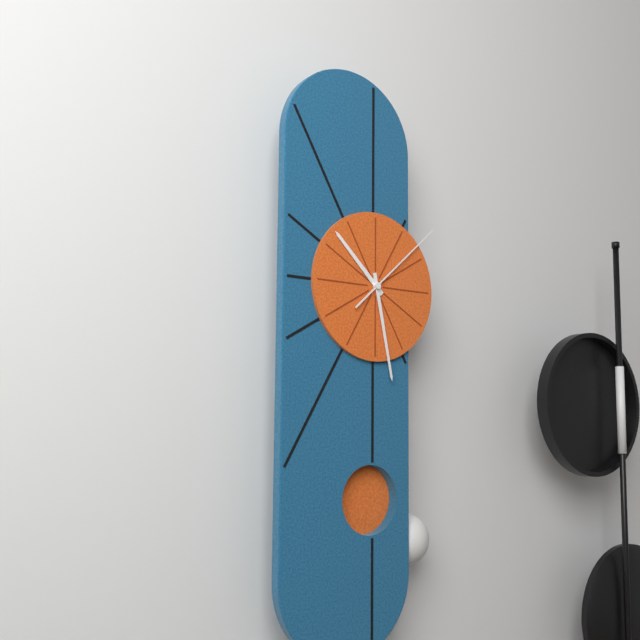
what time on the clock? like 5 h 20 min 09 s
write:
10 h 28 min 08 s
